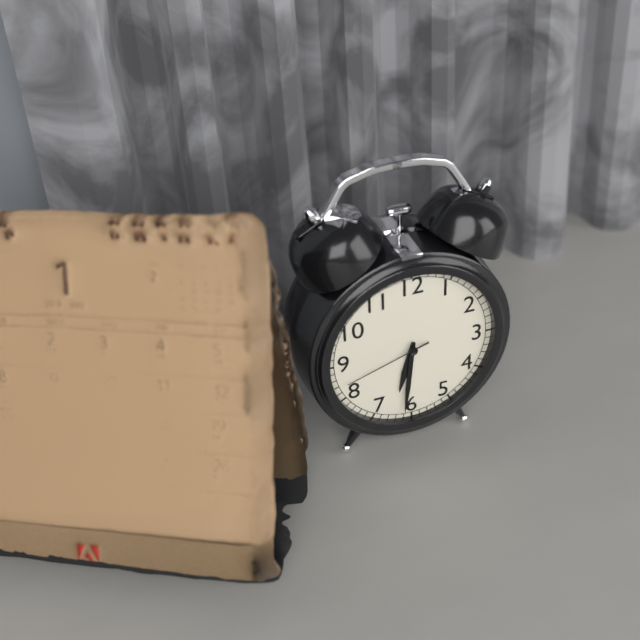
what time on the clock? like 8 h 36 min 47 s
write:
6 h 31 min 42 s
